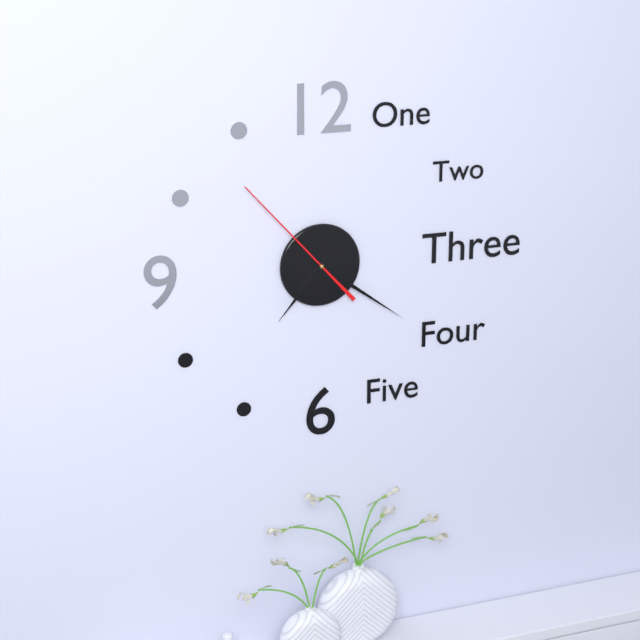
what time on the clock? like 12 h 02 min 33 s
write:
7 h 21 min 53 s
